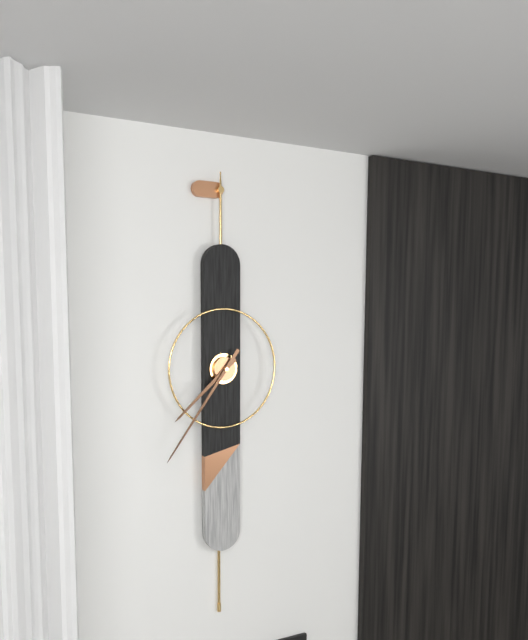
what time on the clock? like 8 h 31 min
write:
7 h 36 min
